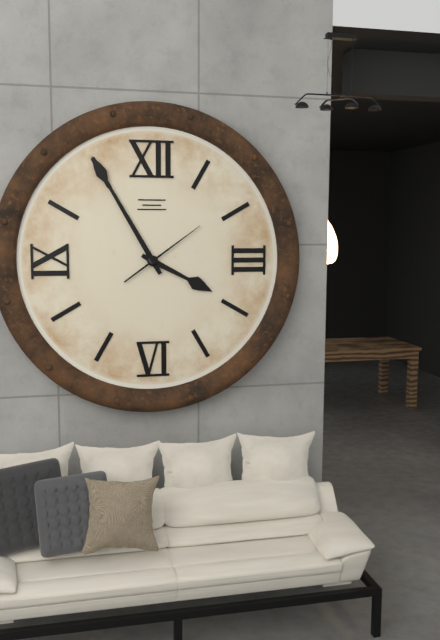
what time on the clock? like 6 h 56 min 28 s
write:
3 h 55 min 09 s
